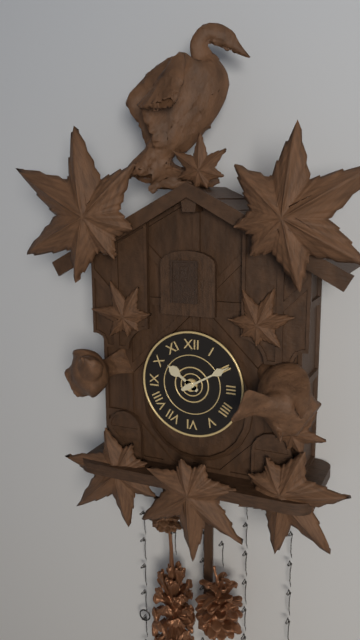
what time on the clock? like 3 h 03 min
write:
10 h 10 min
